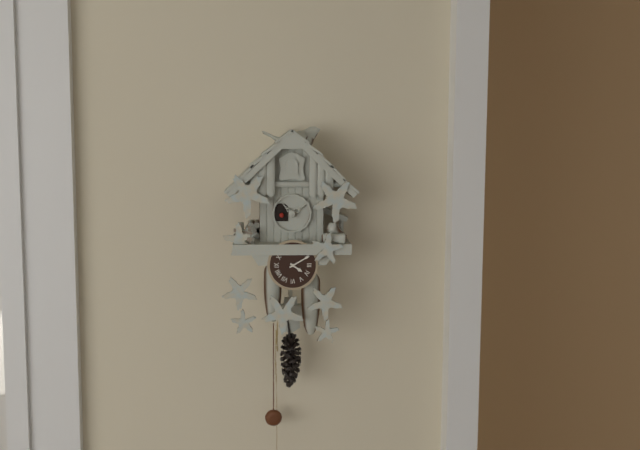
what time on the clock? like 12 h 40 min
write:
4 h 10 min
